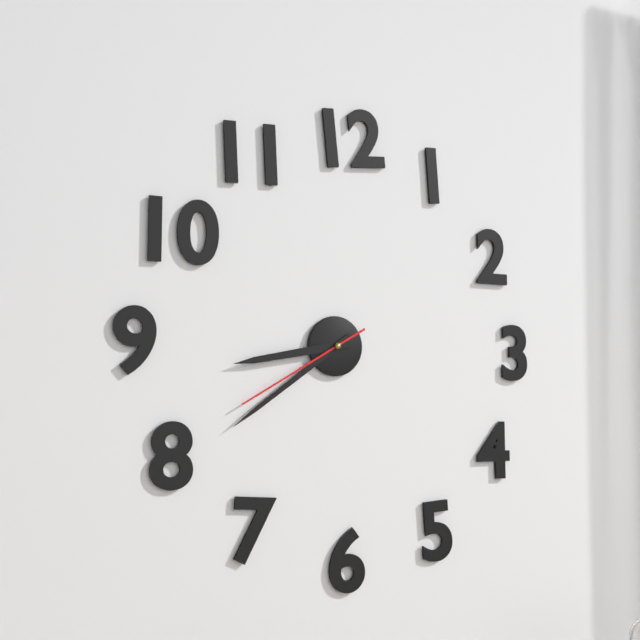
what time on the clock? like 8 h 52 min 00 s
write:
8 h 39 min 40 s
